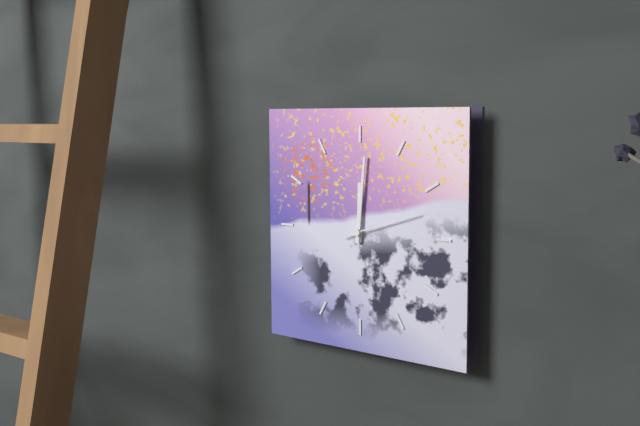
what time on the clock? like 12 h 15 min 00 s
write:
12 h 01 min 12 s
